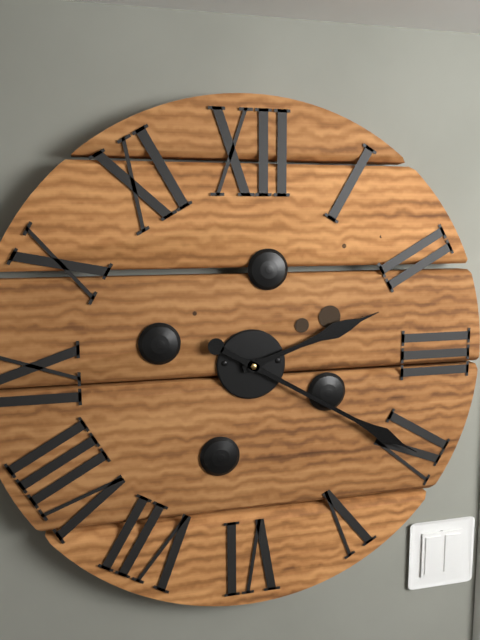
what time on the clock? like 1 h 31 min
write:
2 h 20 min
